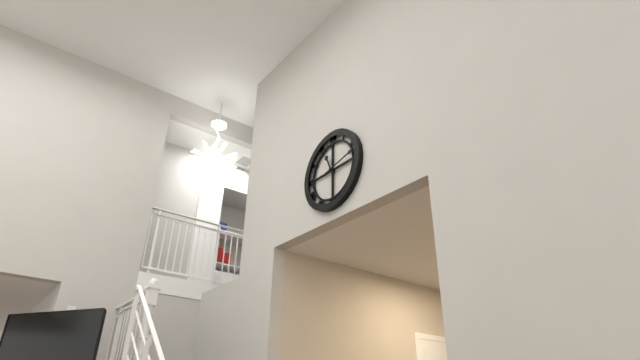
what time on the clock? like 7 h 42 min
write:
11 h 13 min
